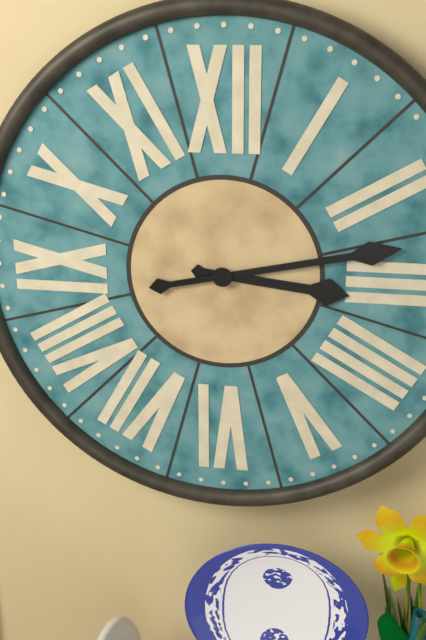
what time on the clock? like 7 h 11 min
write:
3 h 13 min
